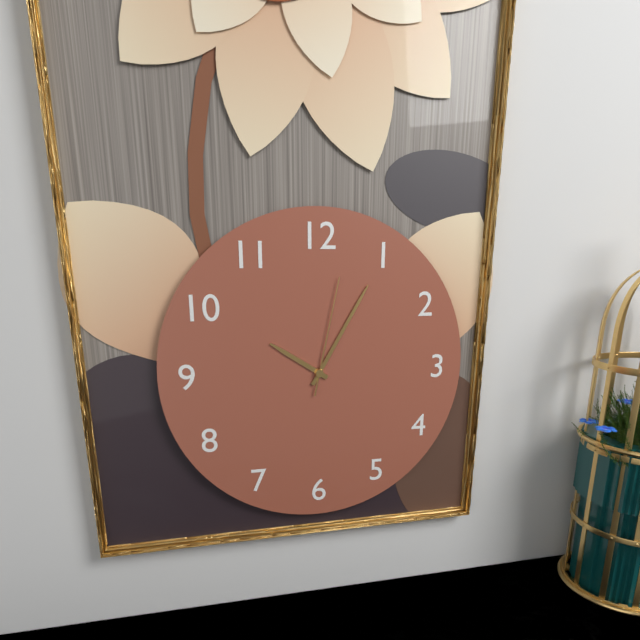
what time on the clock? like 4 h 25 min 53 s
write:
10 h 05 min 02 s
